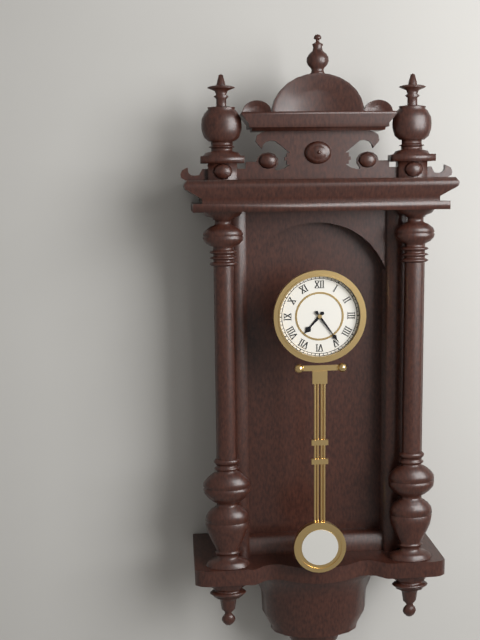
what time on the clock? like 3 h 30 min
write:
7 h 24 min
